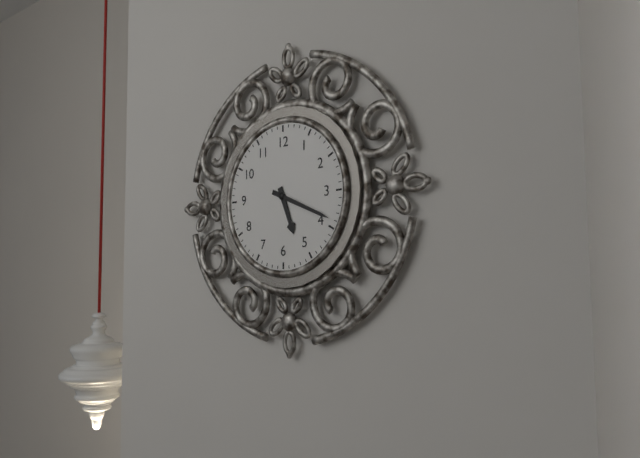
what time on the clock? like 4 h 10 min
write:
5 h 19 min
